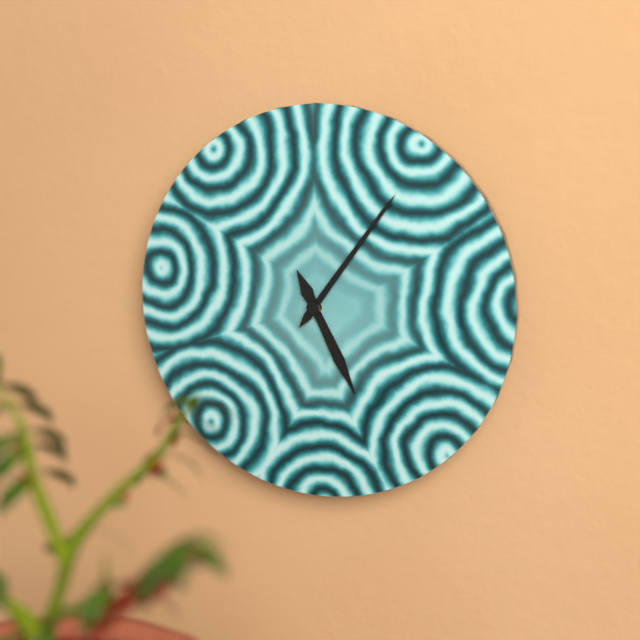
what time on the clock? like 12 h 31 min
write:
5 h 06 min
